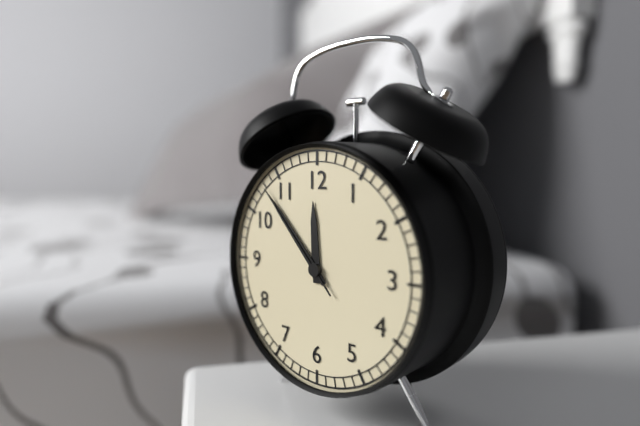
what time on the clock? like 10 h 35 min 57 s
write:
11 h 53 min 53 s
